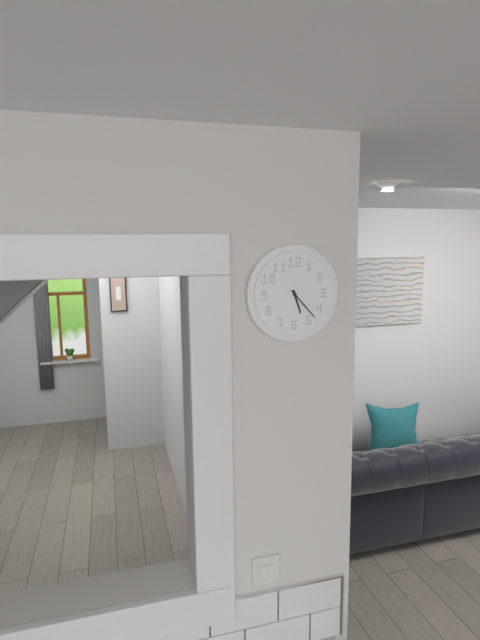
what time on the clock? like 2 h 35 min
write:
5 h 23 min
